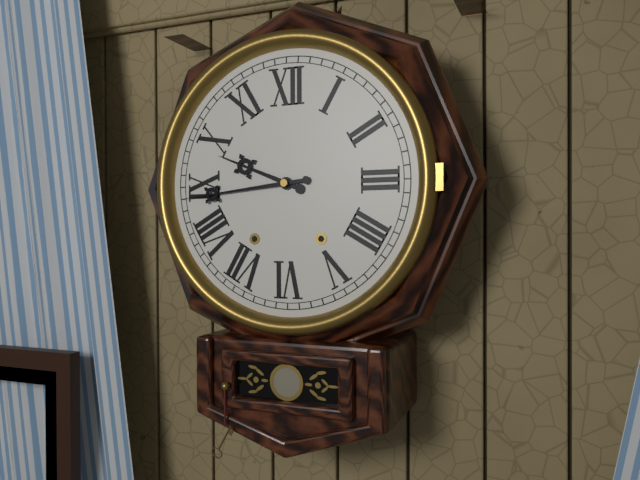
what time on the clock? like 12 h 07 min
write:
9 h 44 min
